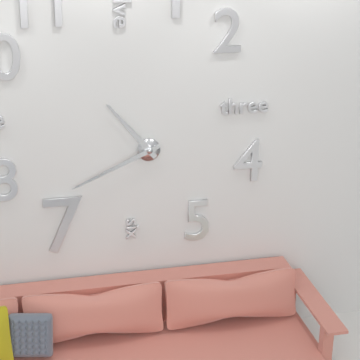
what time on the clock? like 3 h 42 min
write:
10 h 41 min
